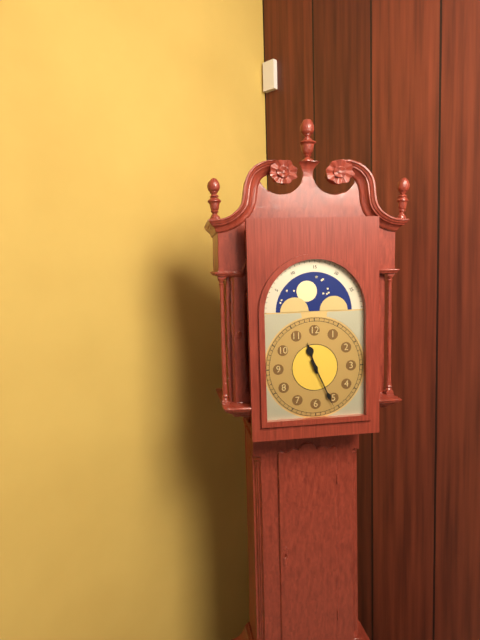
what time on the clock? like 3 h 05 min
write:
11 h 26 min
